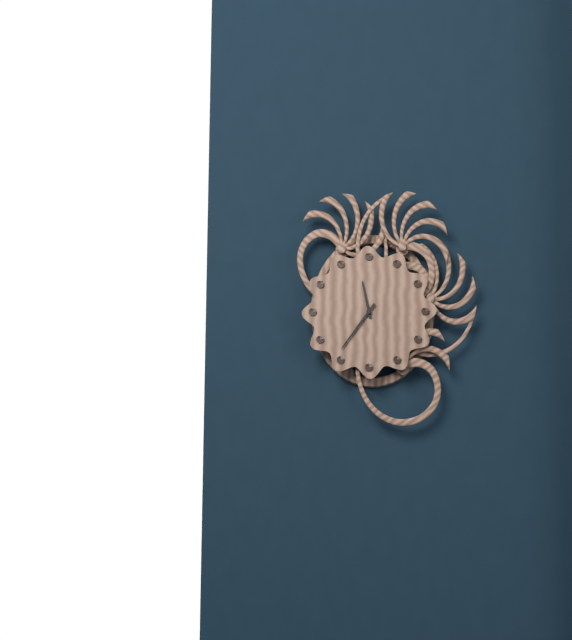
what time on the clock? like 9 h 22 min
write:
11 h 36 min
